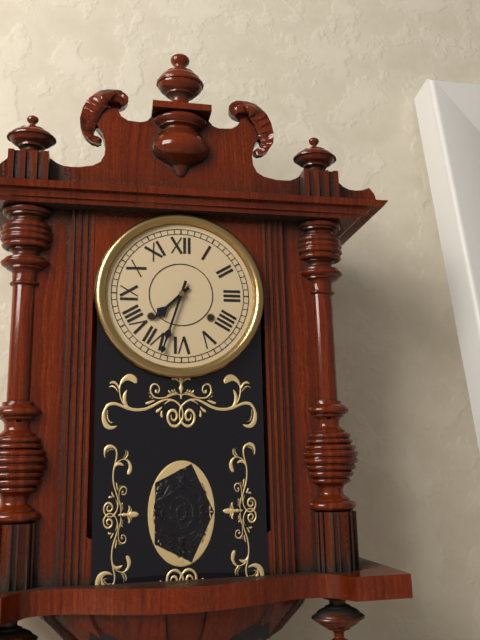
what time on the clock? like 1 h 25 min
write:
7 h 33 min
